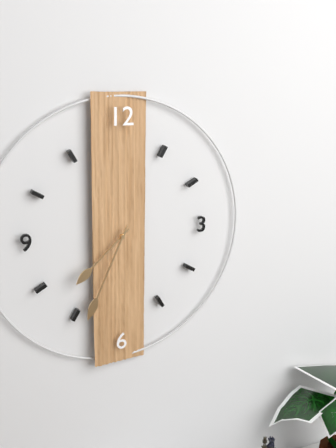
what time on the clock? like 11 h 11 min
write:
7 h 34 min
